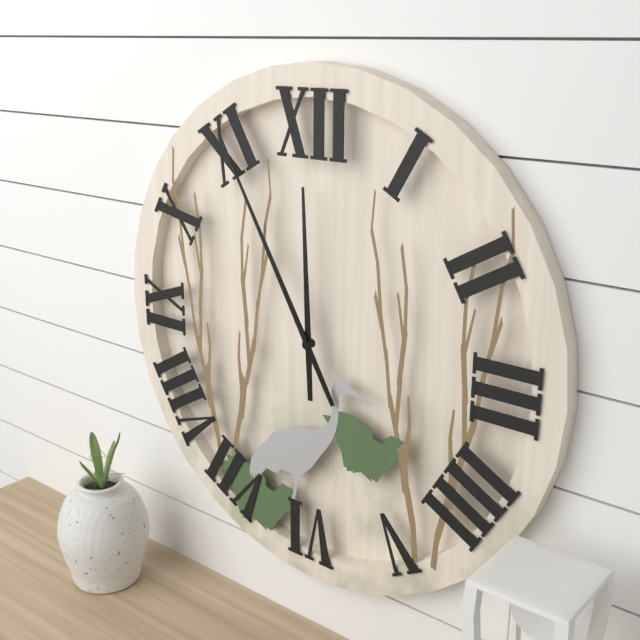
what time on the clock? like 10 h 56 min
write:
11 h 55 min
